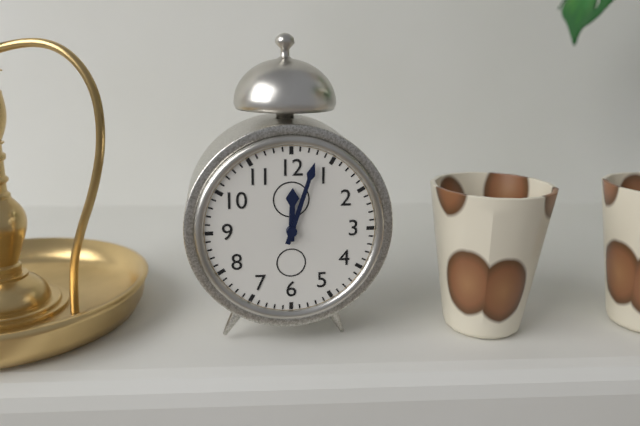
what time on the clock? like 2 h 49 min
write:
12 h 03 min
